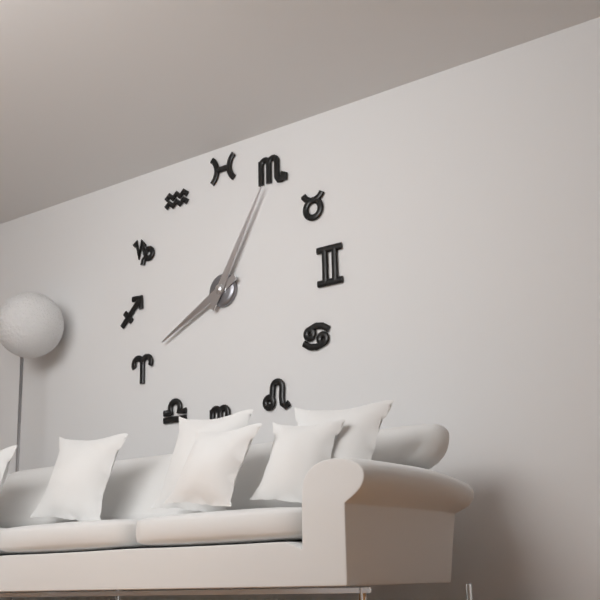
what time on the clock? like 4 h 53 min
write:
8 h 05 min
